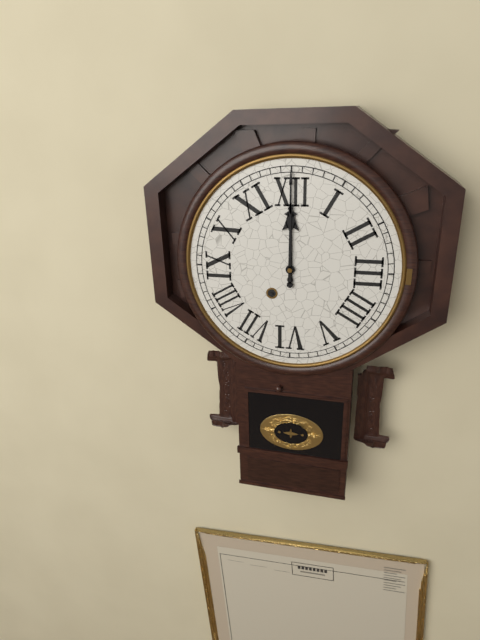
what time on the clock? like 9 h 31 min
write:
12 h 00 min
